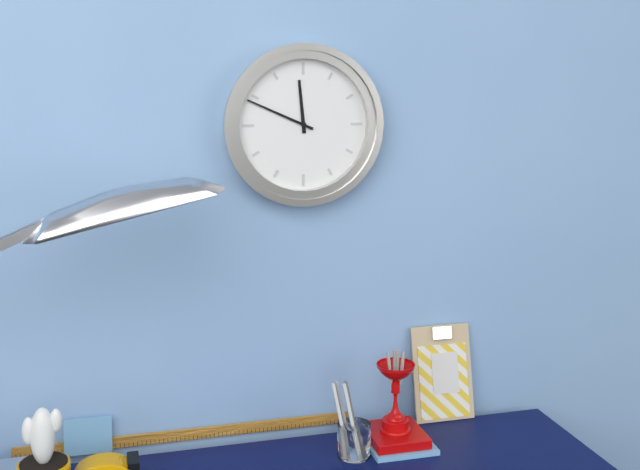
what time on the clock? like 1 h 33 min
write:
11 h 49 min
